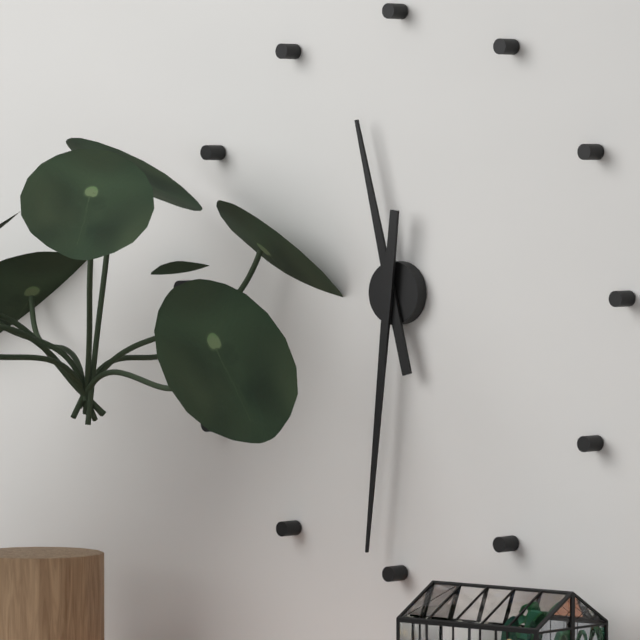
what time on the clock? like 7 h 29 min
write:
11 h 31 min
